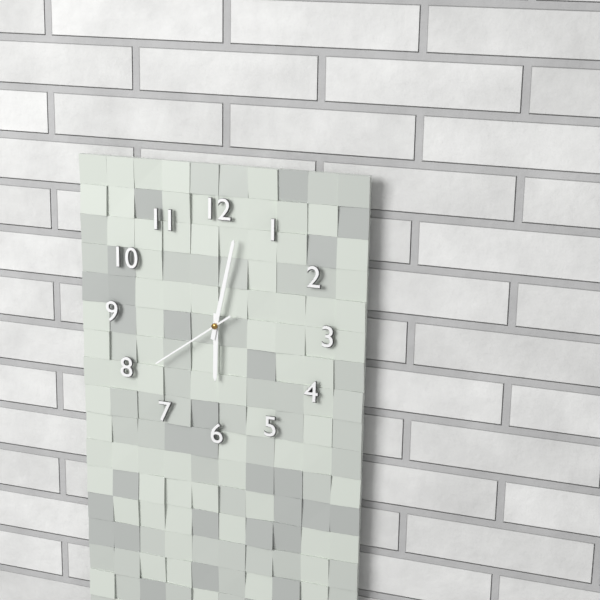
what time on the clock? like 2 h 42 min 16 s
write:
6 h 02 min 39 s
